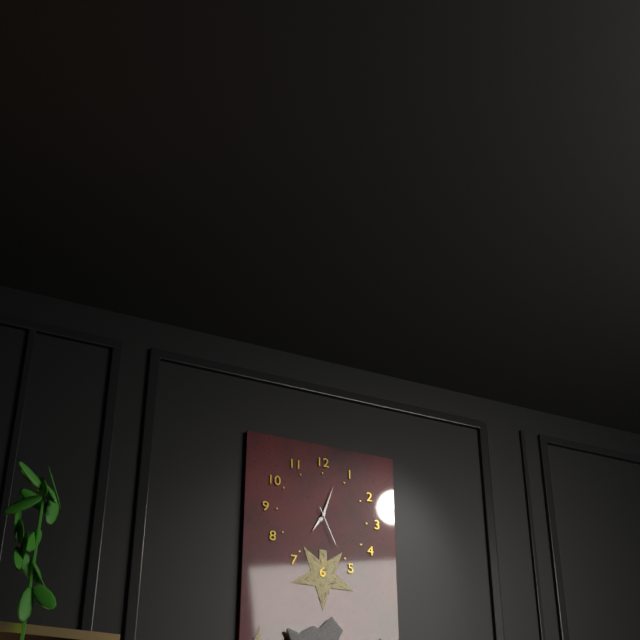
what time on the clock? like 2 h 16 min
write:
7 h 03 min
